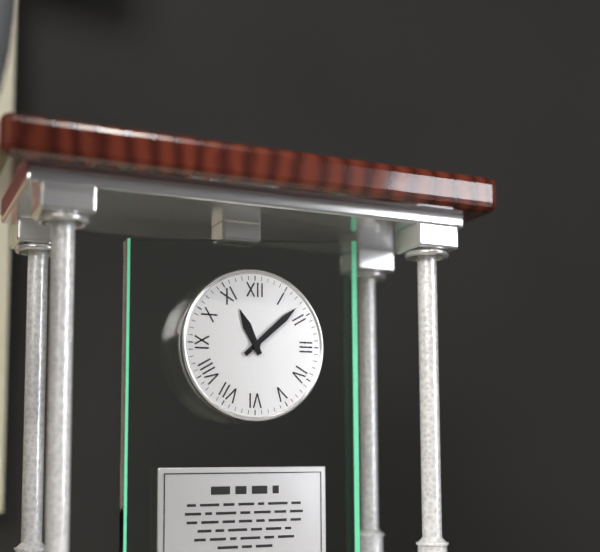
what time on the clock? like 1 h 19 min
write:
11 h 08 min
